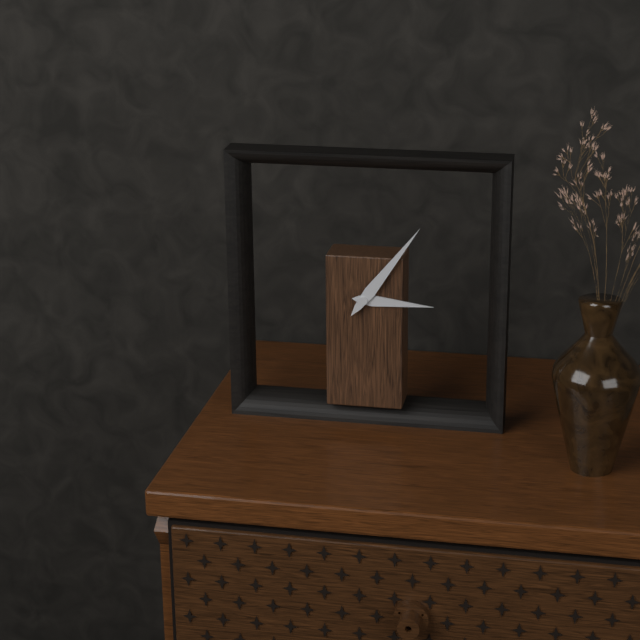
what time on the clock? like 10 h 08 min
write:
3 h 06 min
